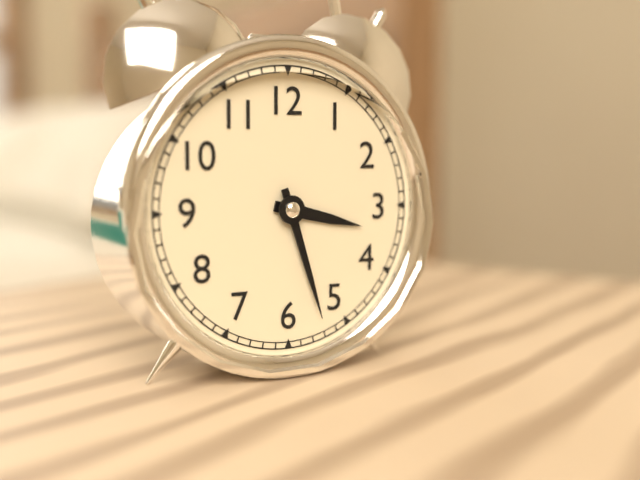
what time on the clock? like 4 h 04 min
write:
3 h 27 min
